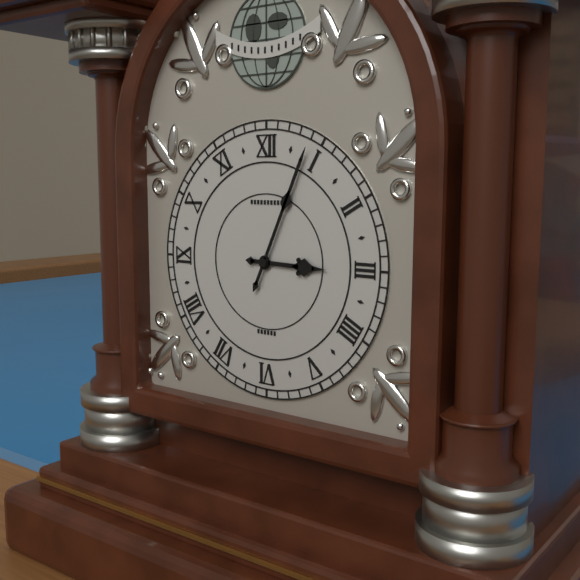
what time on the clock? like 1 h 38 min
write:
3 h 04 min
